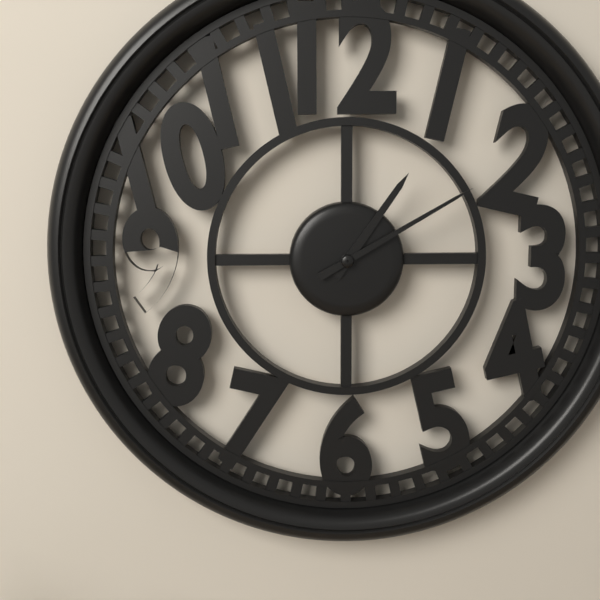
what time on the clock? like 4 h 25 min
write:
1 h 10 min
